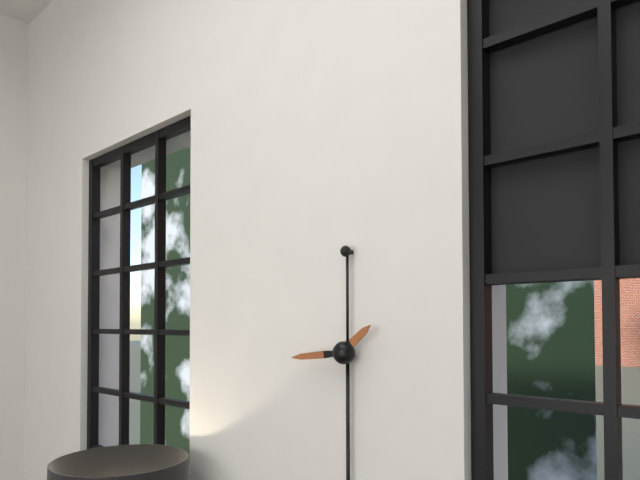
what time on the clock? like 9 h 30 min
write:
1 h 44 min
